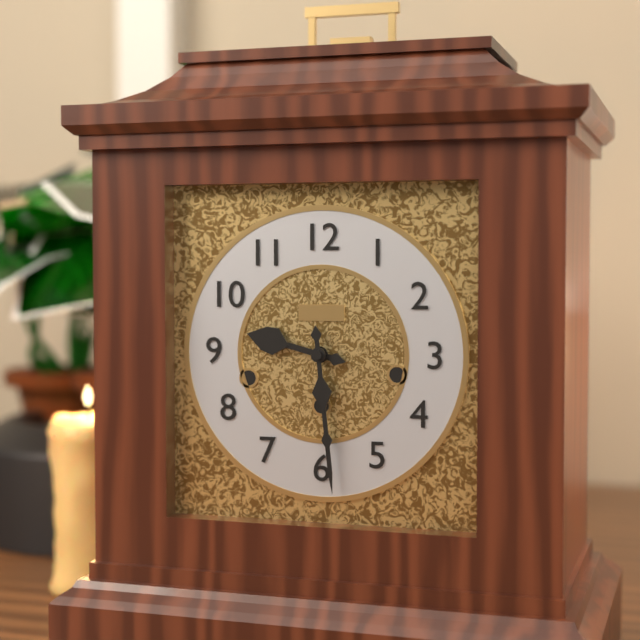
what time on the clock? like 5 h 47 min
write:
9 h 29 min
